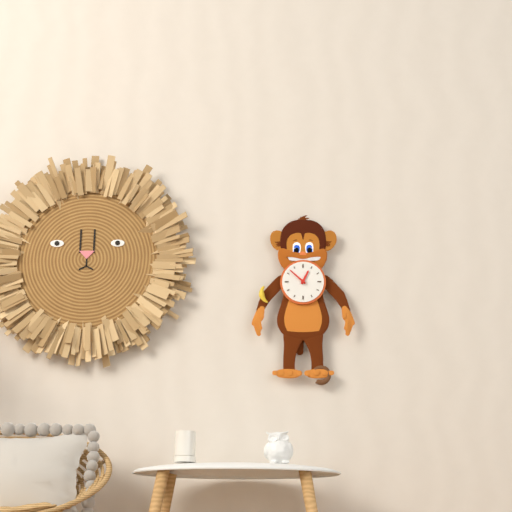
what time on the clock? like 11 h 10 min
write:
12 h 52 min
